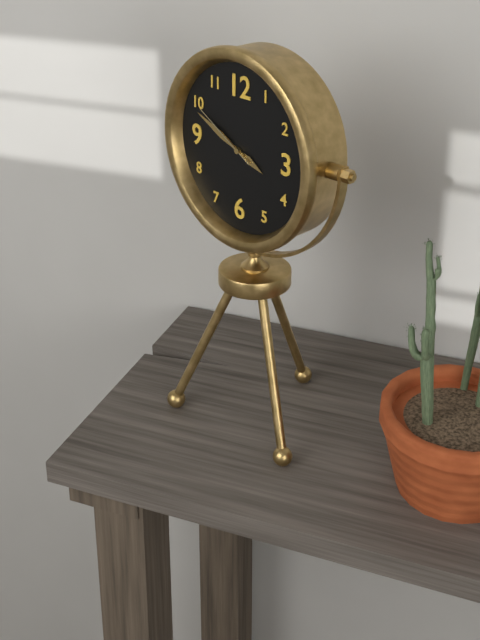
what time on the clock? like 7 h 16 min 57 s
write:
3 h 49 min 50 s
